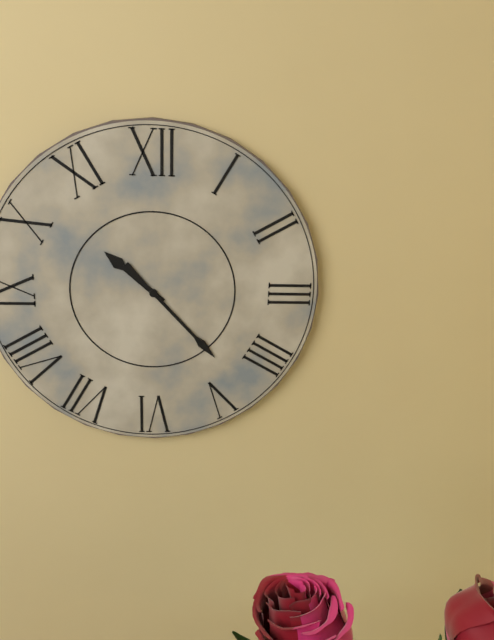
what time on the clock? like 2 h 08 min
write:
10 h 23 min
